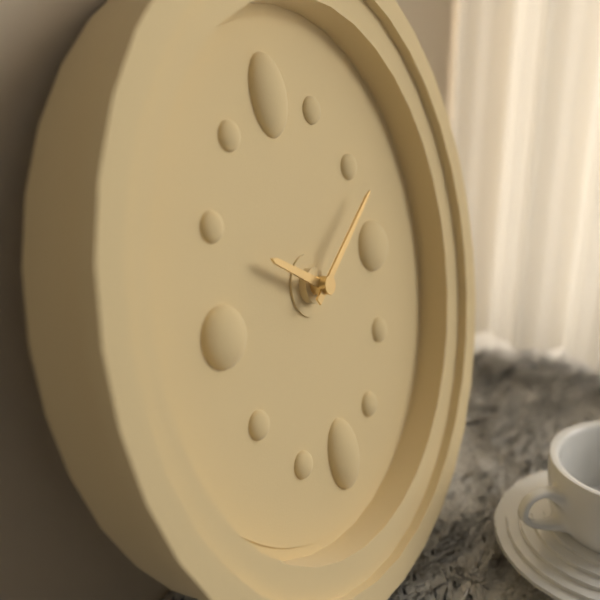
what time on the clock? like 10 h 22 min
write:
10 h 10 min
